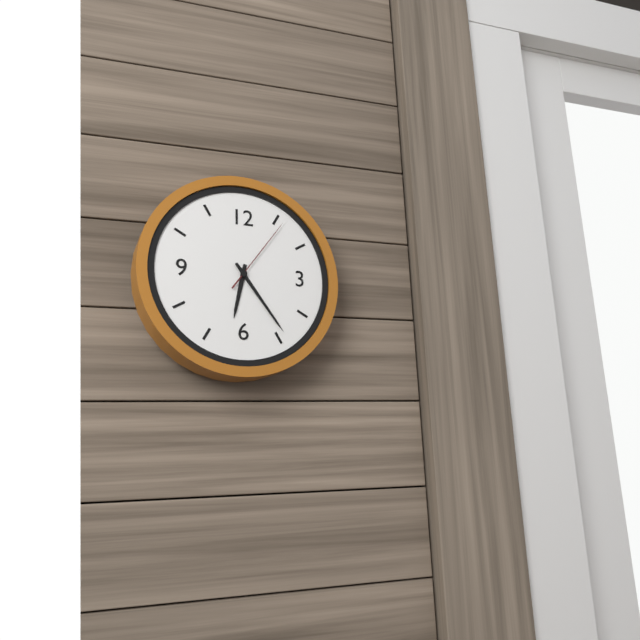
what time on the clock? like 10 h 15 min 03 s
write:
6 h 24 min 06 s
